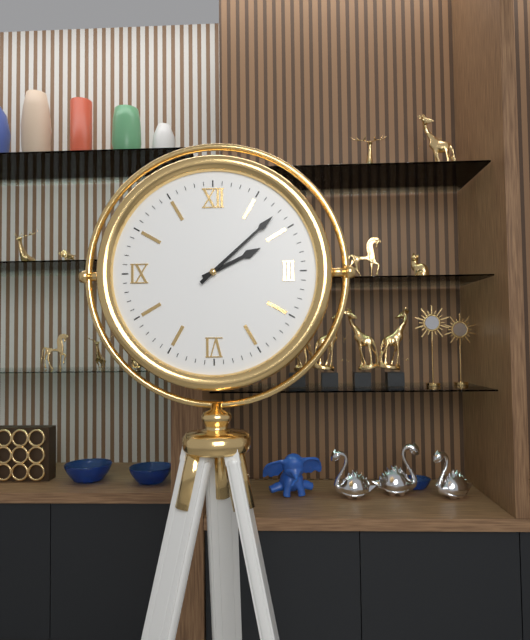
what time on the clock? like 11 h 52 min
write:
2 h 08 min
